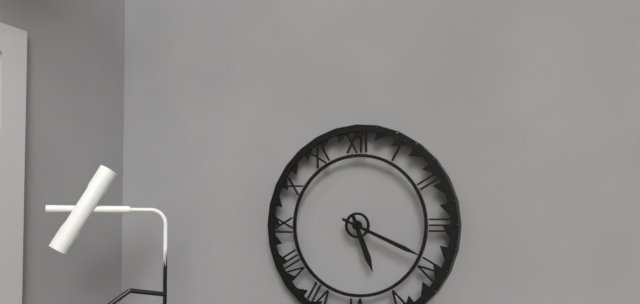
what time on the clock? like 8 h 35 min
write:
5 h 19 min
